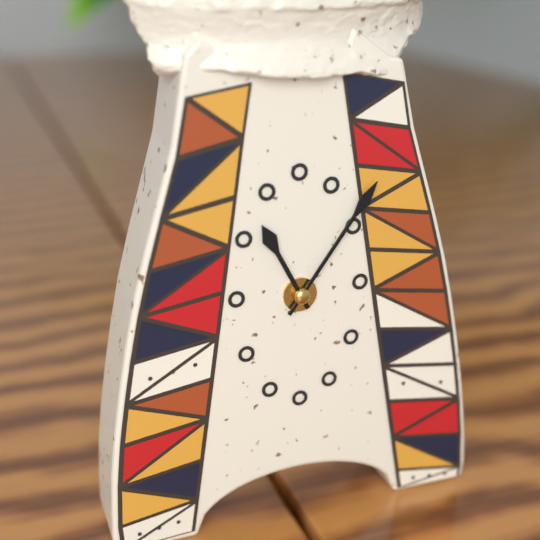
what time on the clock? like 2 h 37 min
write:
11 h 06 min
